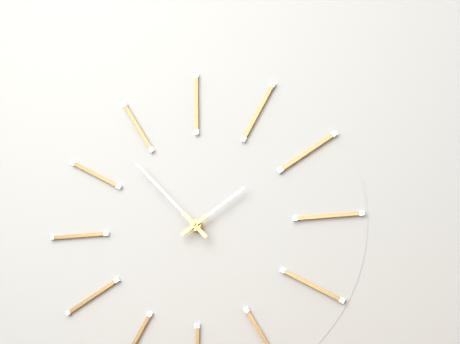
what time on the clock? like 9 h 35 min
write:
1 h 53 min
